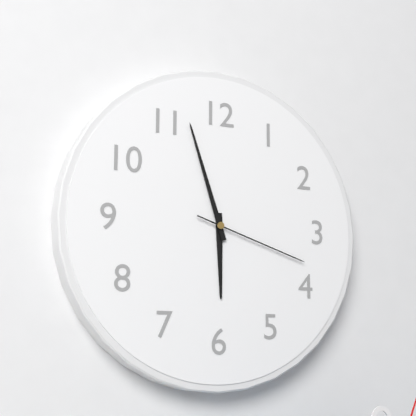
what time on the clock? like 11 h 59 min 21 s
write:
5 h 57 min 18 s
